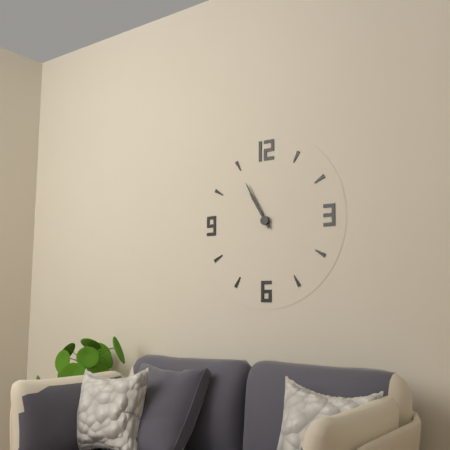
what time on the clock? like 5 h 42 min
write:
10 h 55 min
